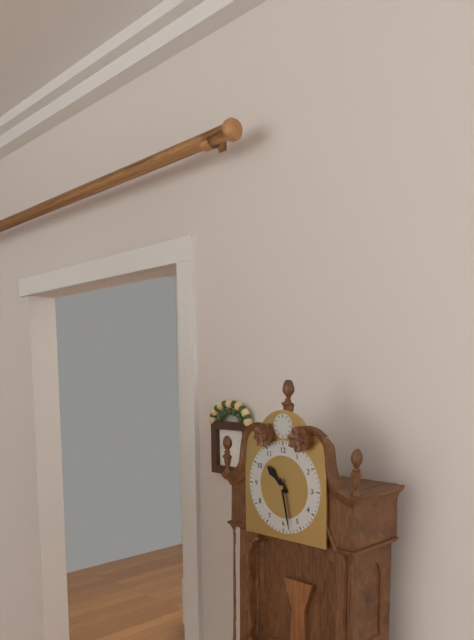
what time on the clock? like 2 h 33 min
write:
10 h 28 min
